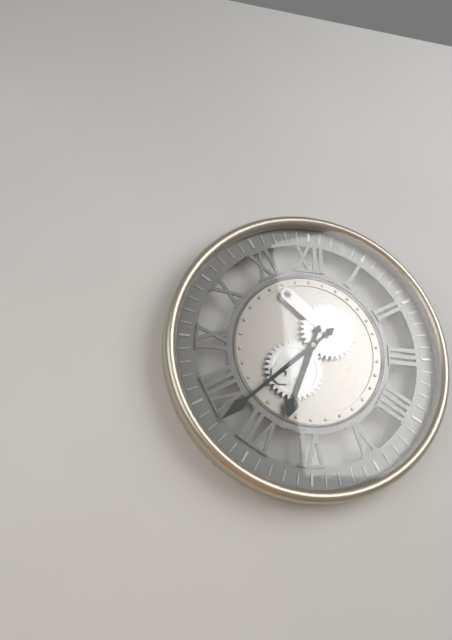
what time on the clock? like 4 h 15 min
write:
6 h 38 min
